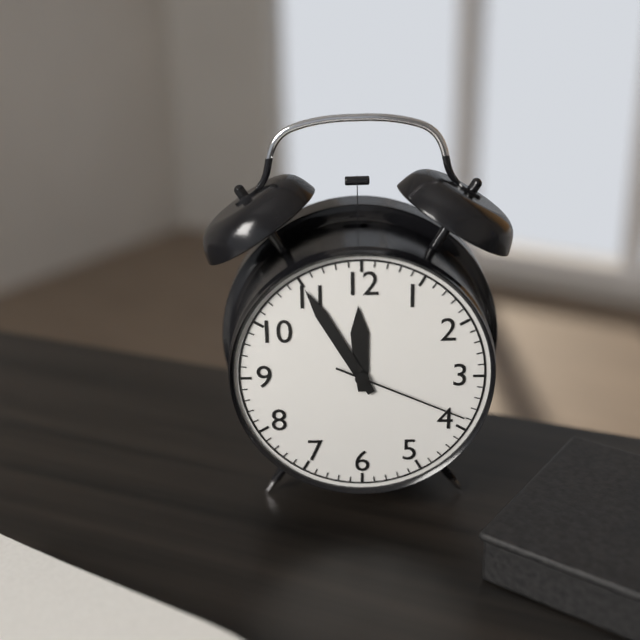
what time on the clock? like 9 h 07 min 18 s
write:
11 h 55 min 19 s
